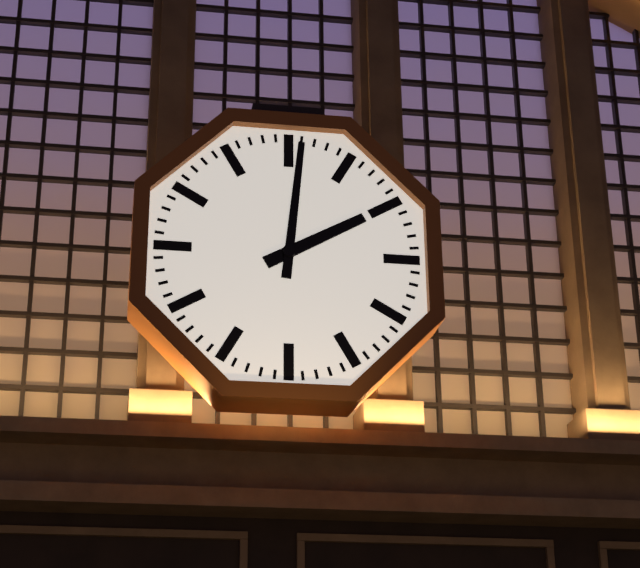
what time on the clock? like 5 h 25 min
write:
2 h 01 min
